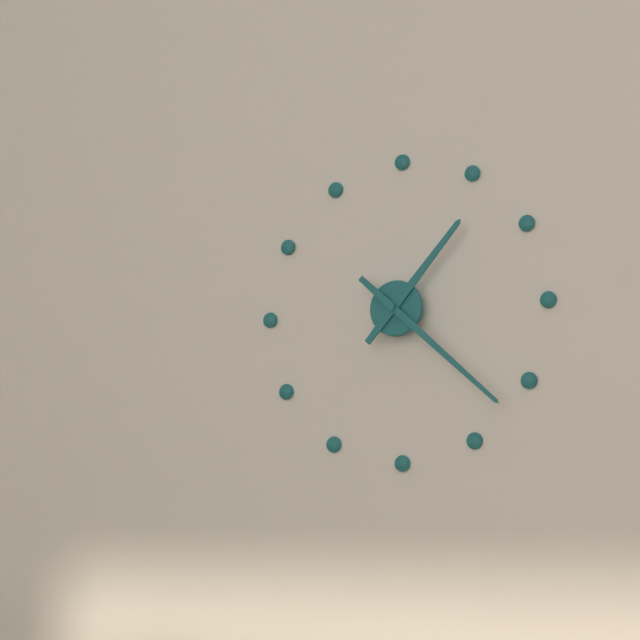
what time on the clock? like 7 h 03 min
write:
1 h 22 min
